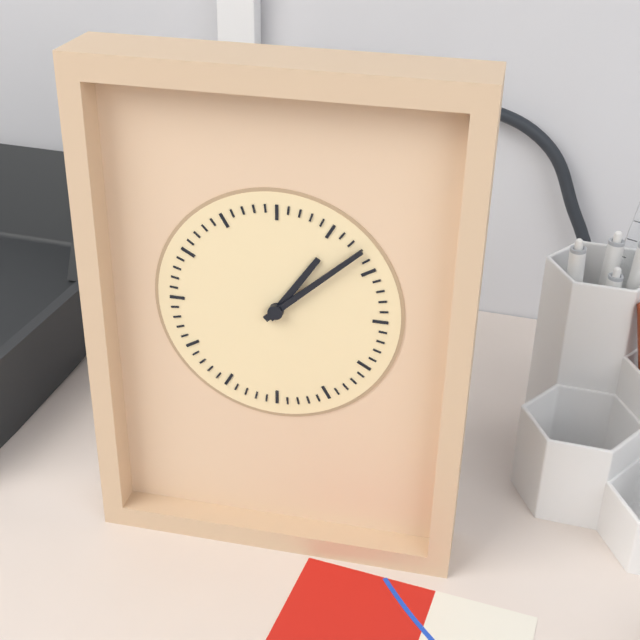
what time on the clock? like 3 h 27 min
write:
1 h 08 min
